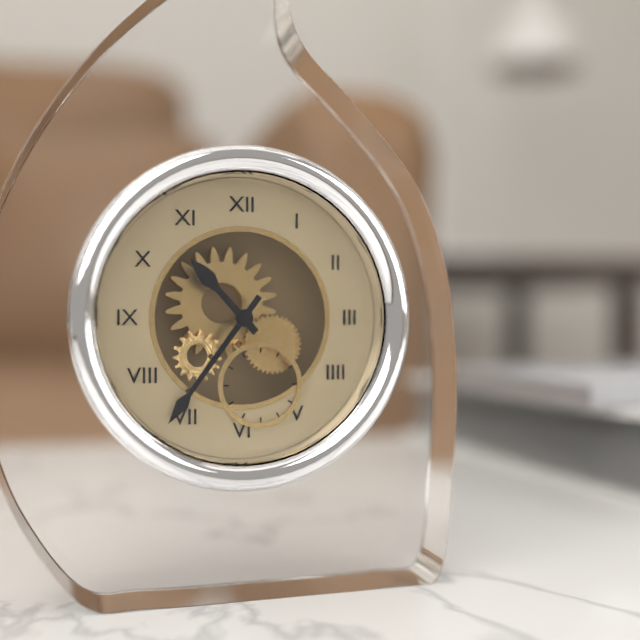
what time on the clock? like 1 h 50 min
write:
10 h 36 min
